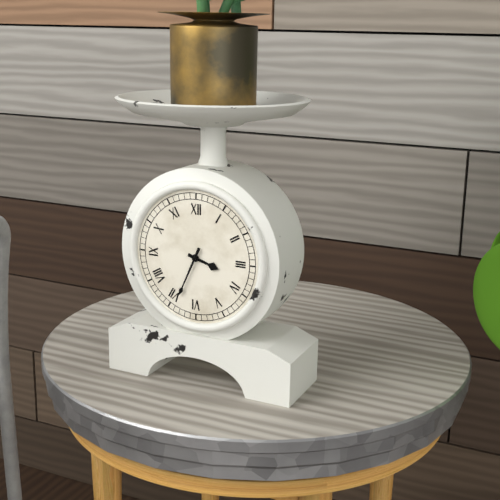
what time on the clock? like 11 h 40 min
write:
3 h 34 min
